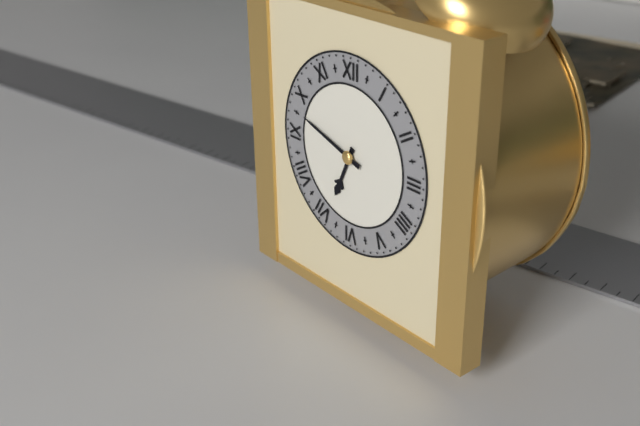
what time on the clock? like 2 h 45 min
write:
6 h 48 min
